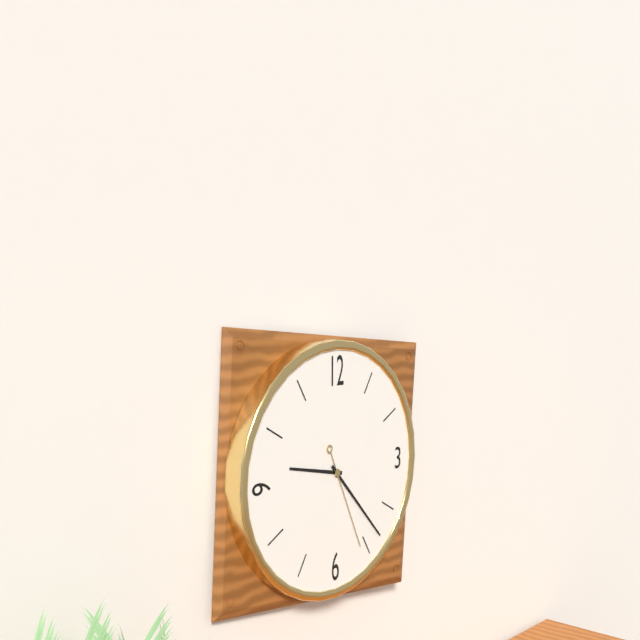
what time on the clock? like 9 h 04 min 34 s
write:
9 h 23 min 26 s
